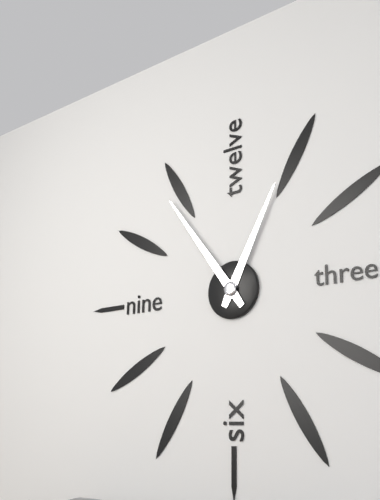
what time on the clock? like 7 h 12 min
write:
12 h 54 min
